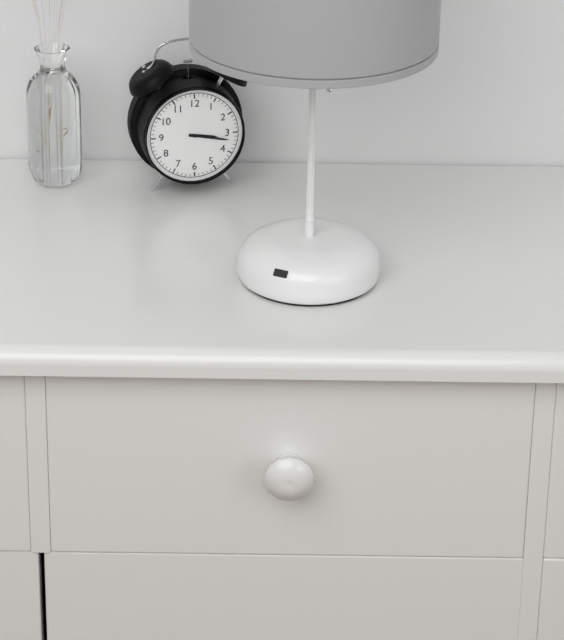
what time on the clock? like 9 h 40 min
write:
3 h 17 min
